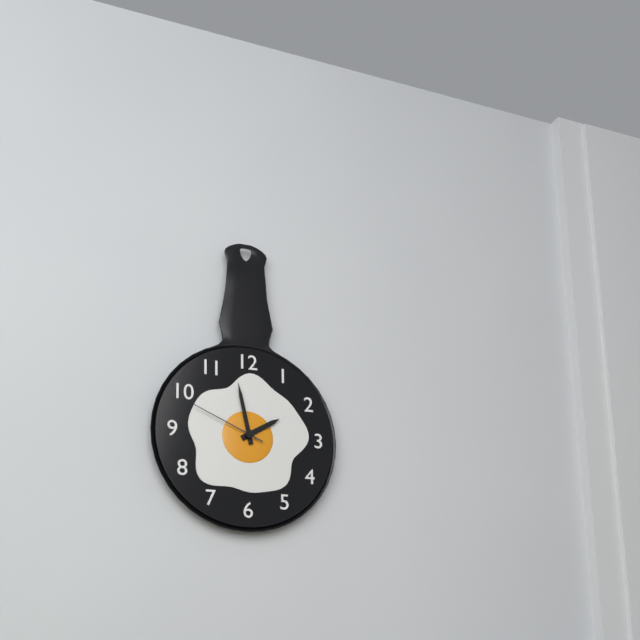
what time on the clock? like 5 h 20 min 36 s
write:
1 h 58 min 49 s
